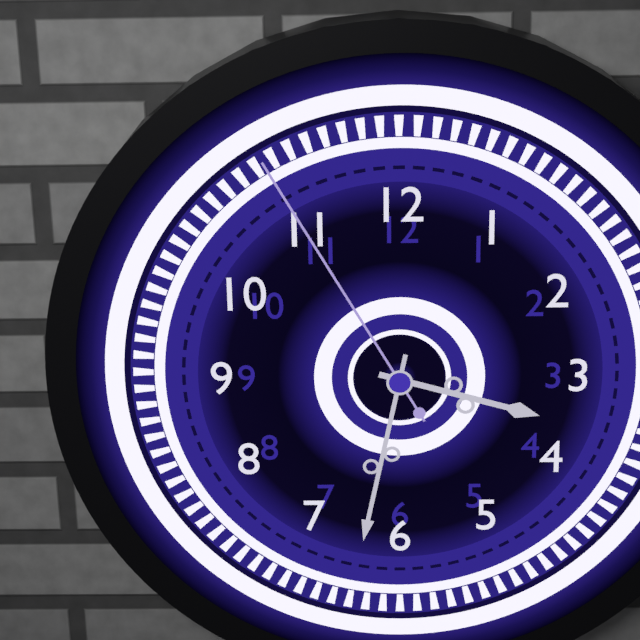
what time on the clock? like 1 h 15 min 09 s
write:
3 h 32 min 55 s
